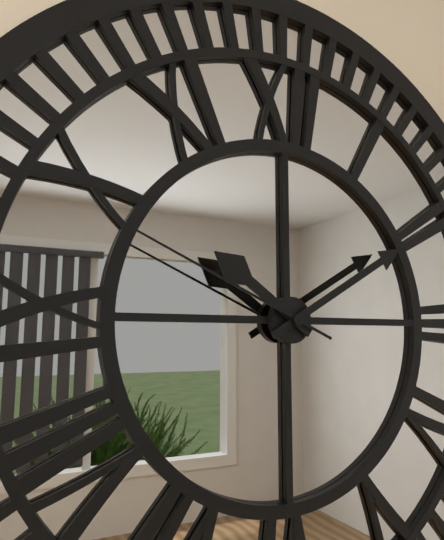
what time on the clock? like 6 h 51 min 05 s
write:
10 h 10 min 49 s
